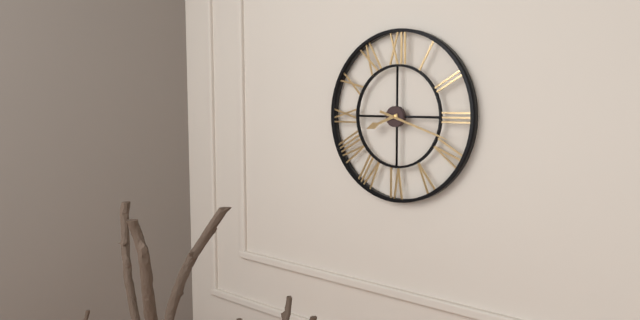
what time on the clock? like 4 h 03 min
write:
8 h 18 min
